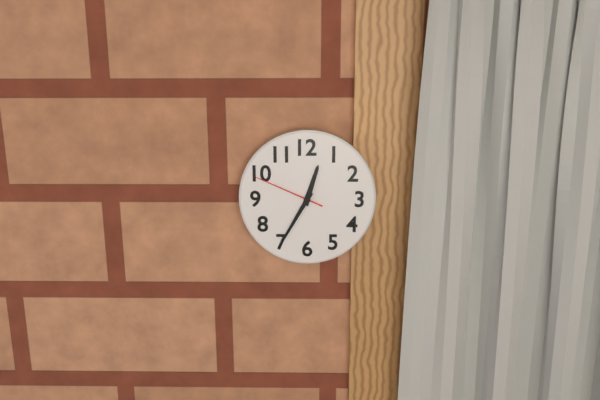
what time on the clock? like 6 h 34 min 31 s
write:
12 h 35 min 49 s
